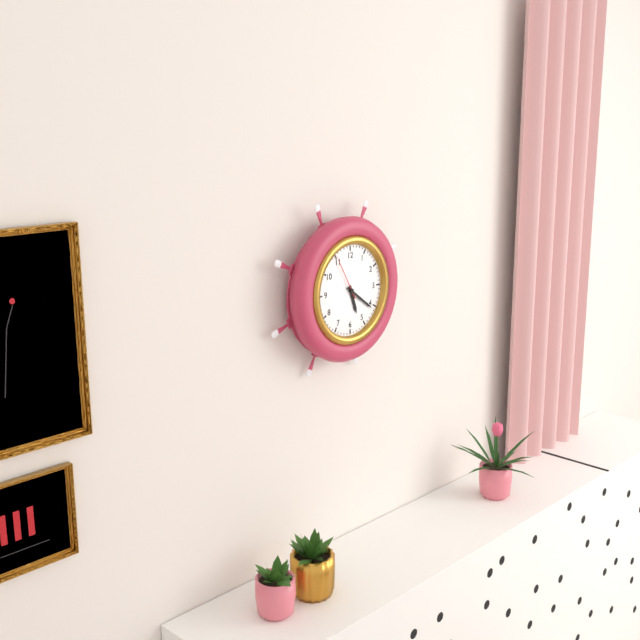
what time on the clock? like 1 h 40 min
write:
5 h 21 min
